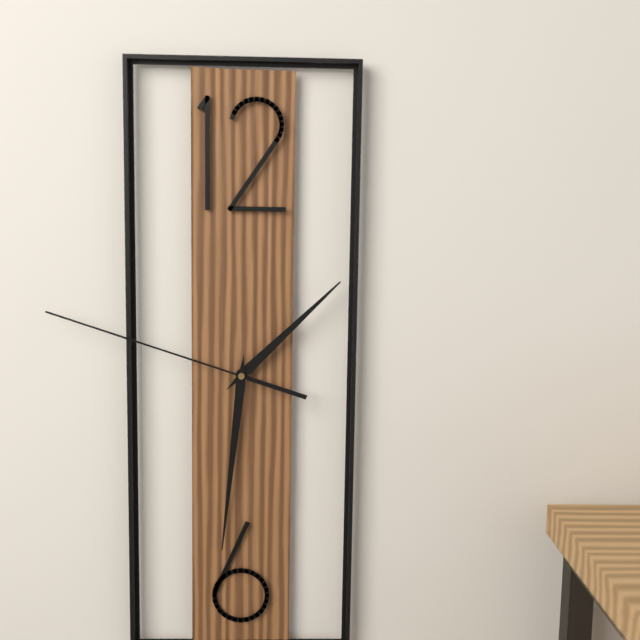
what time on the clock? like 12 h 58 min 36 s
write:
1 h 31 min 48 s
